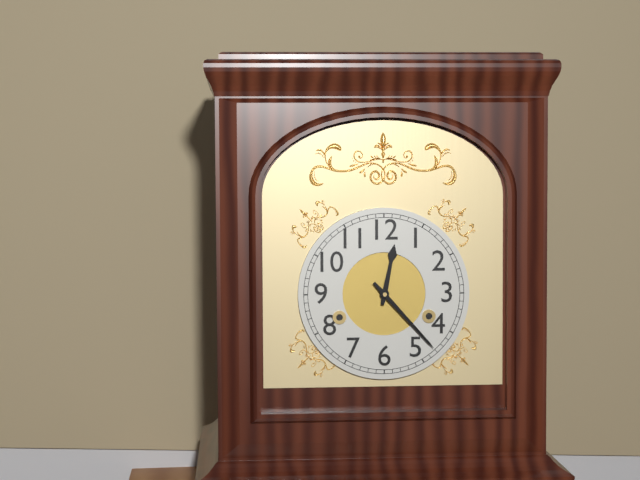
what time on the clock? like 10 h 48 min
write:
12 h 23 min
